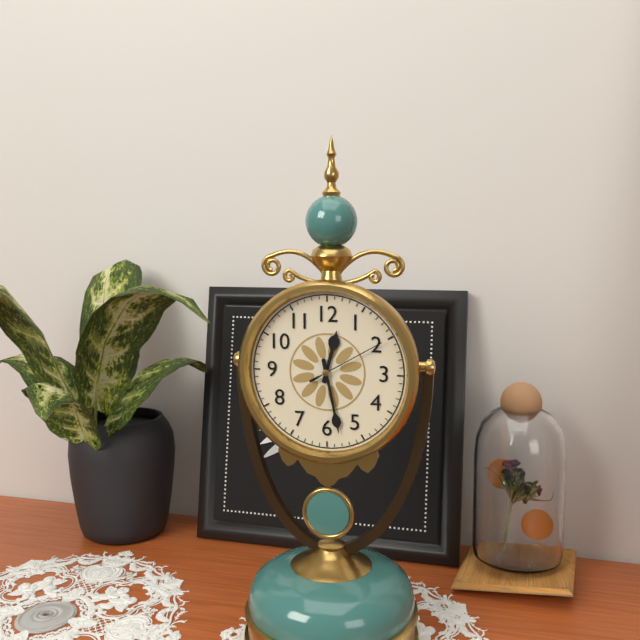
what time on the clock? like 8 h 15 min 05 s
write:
12 h 28 min 10 s
